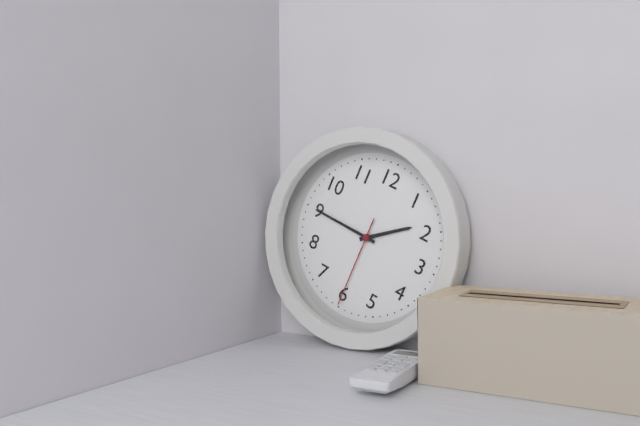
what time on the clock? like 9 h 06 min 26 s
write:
1 h 45 min 30 s
